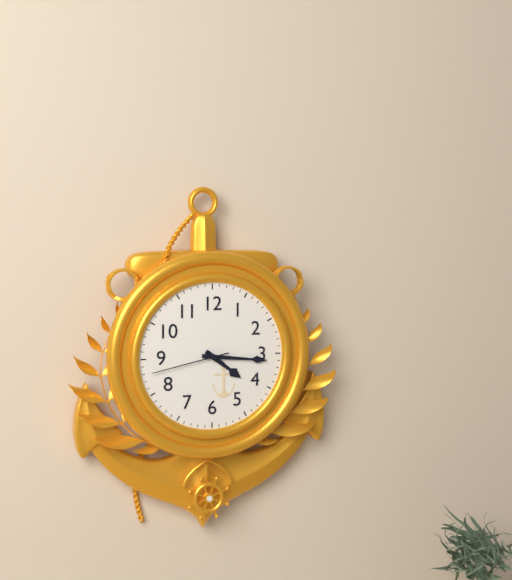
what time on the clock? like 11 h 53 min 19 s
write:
4 h 16 min 43 s
